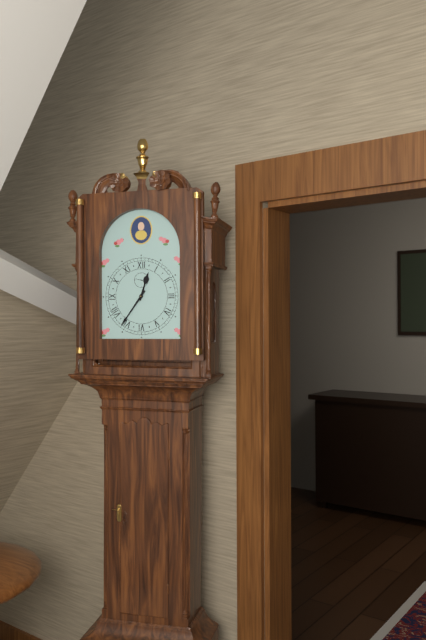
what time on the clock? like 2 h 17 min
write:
12 h 36 min
